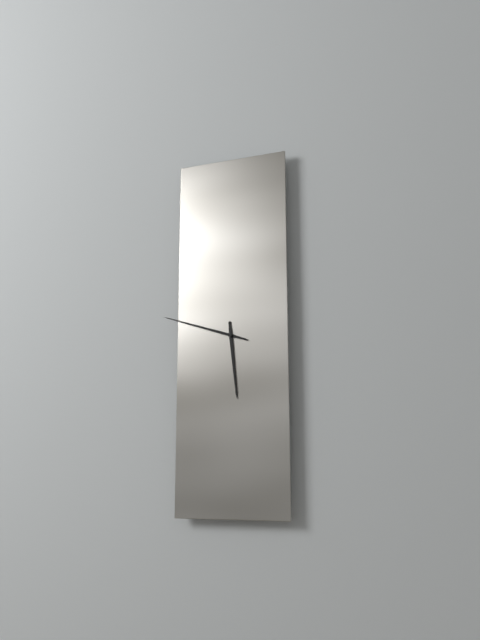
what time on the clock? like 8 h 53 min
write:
5 h 48 min
